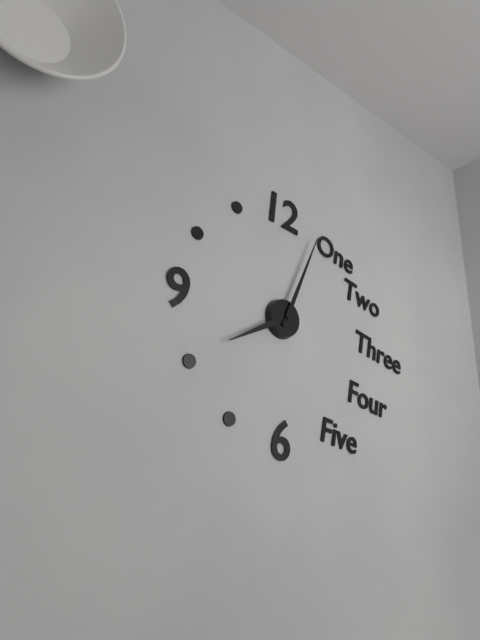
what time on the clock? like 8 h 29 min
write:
8 h 04 min
